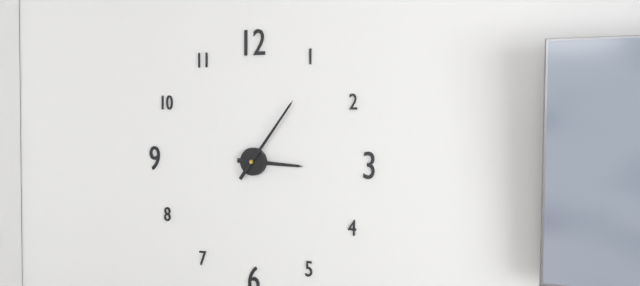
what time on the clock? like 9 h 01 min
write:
3 h 06 min
